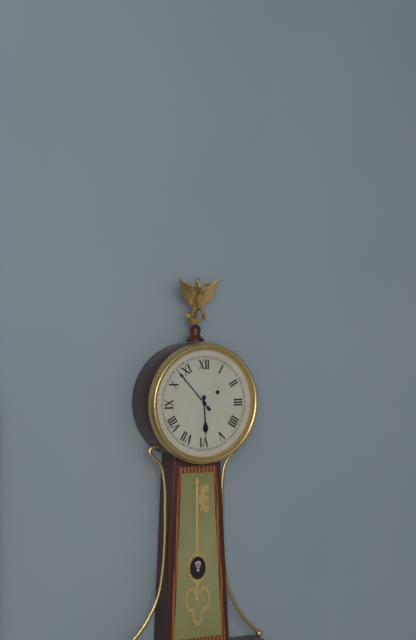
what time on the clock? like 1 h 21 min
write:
5 h 53 min
